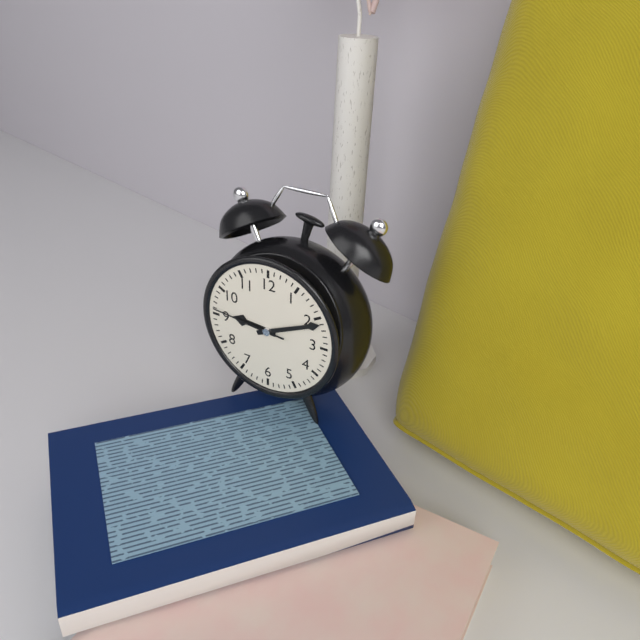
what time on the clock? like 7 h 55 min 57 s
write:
9 h 11 min 46 s
